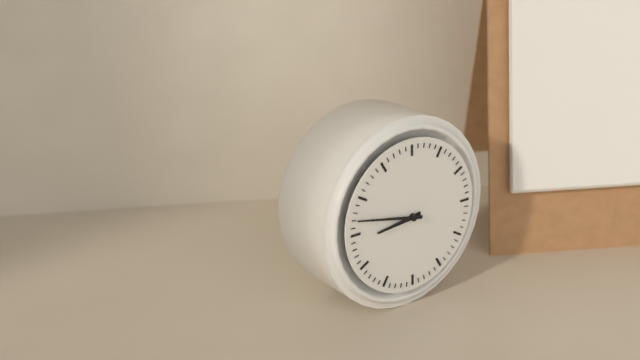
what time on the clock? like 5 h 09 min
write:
8 h 47 min
